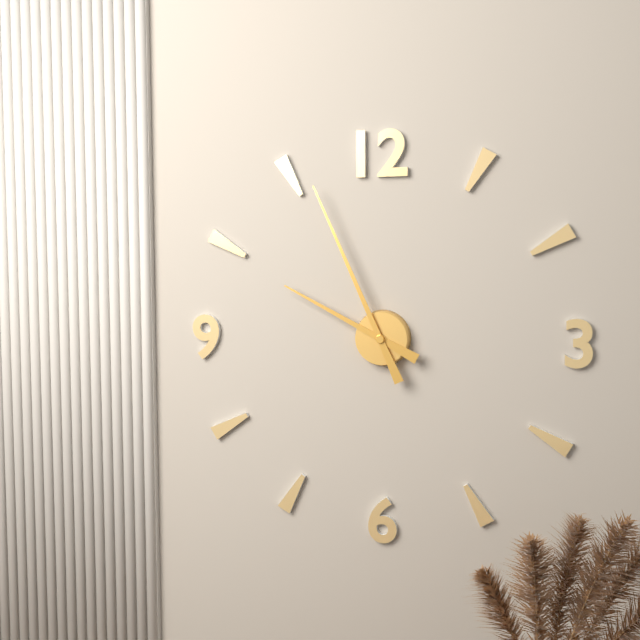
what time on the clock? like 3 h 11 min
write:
9 h 56 min
